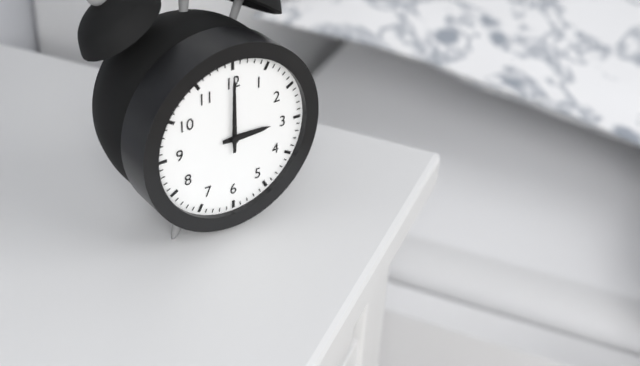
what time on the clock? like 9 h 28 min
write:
3 h 00 min
